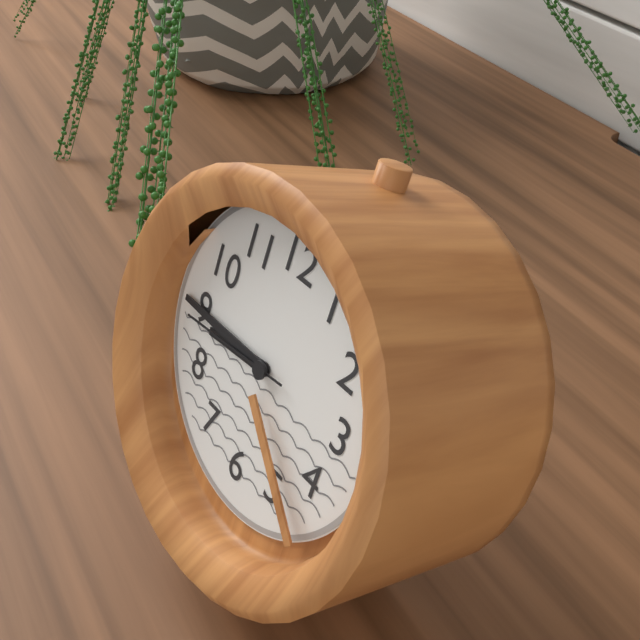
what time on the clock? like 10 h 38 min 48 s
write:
8 h 45 min 44 s
